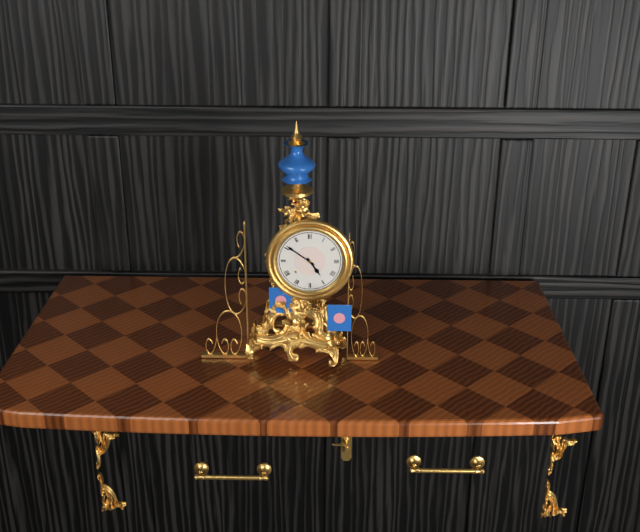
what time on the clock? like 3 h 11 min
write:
4 h 51 min
